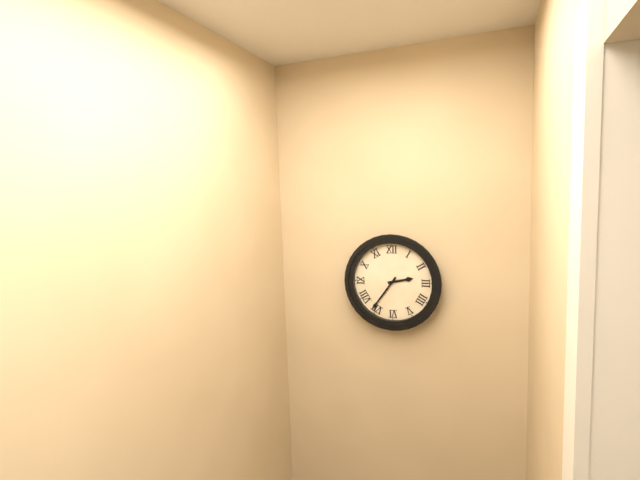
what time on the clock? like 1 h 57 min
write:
2 h 36 min
